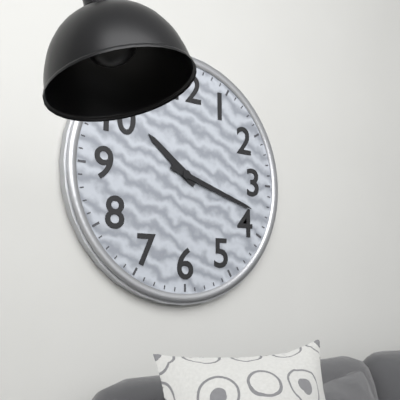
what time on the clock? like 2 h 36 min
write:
10 h 18 min
